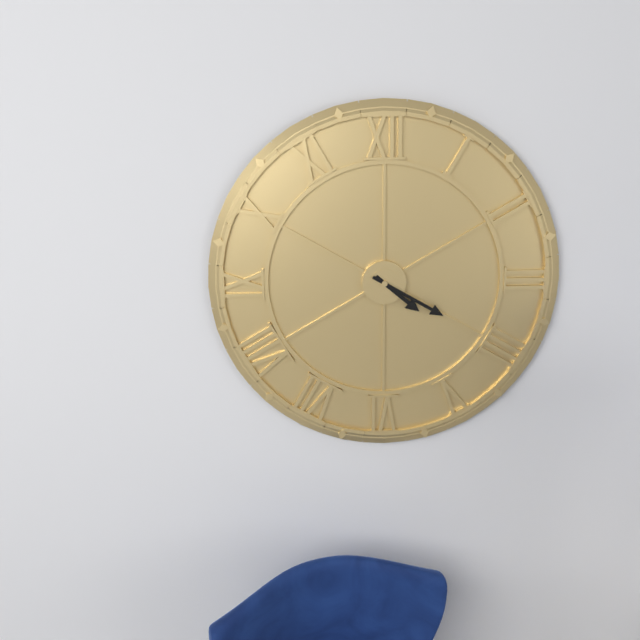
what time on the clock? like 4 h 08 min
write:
4 h 20 min
